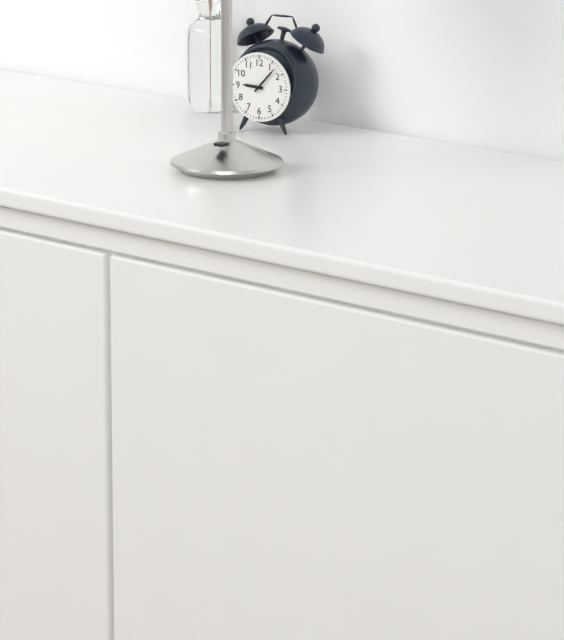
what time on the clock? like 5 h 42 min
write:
9 h 07 min
